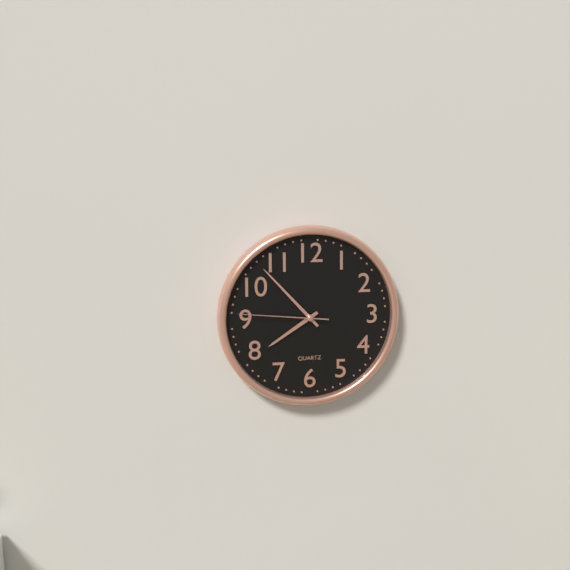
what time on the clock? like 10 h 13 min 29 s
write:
7 h 53 min 46 s
